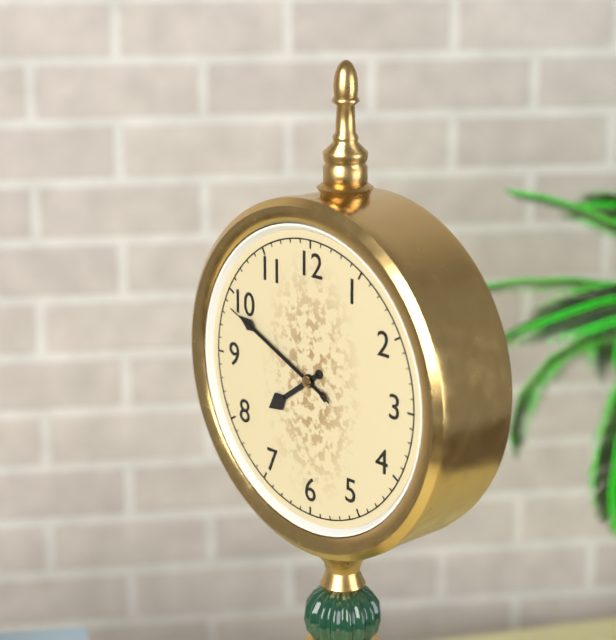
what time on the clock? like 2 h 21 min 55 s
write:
7 h 49 min 49 s
